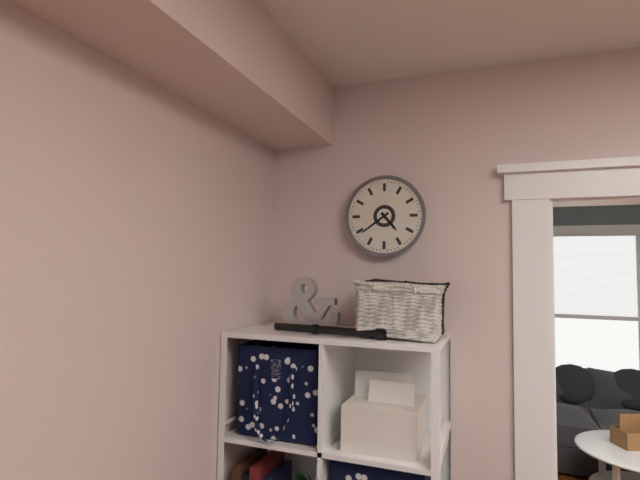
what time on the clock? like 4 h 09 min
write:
4 h 39 min
